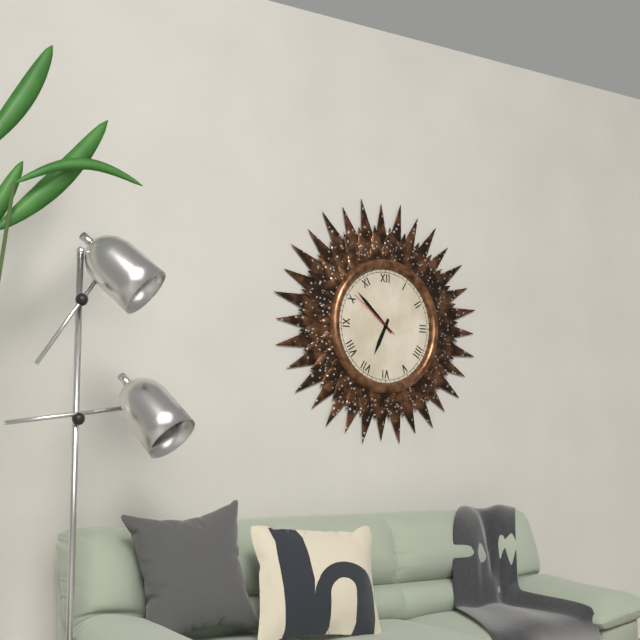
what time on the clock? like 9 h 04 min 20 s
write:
6 h 52 min 51 s
